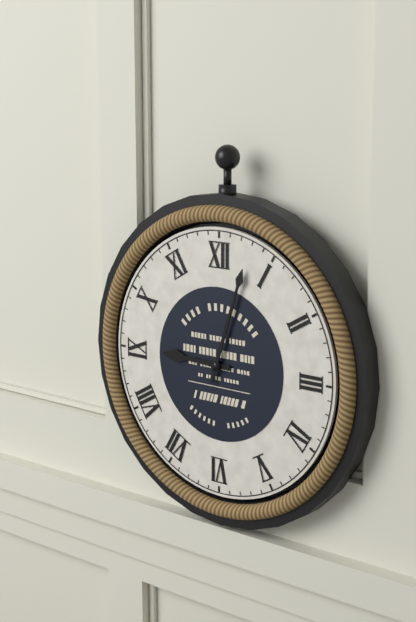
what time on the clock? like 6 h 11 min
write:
9 h 03 min
